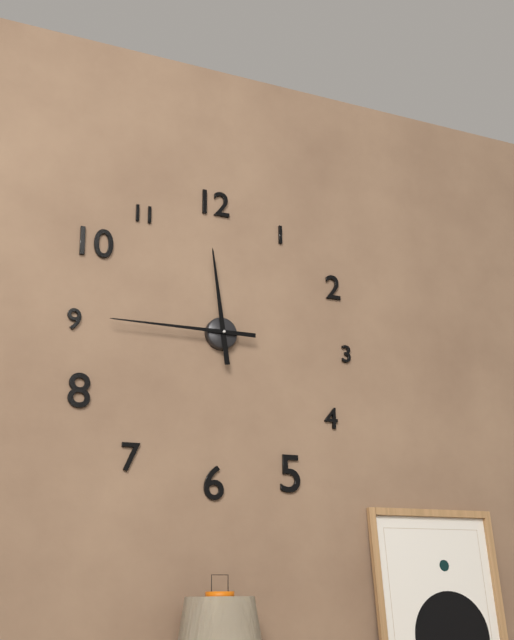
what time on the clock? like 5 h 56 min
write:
11 h 45 min
